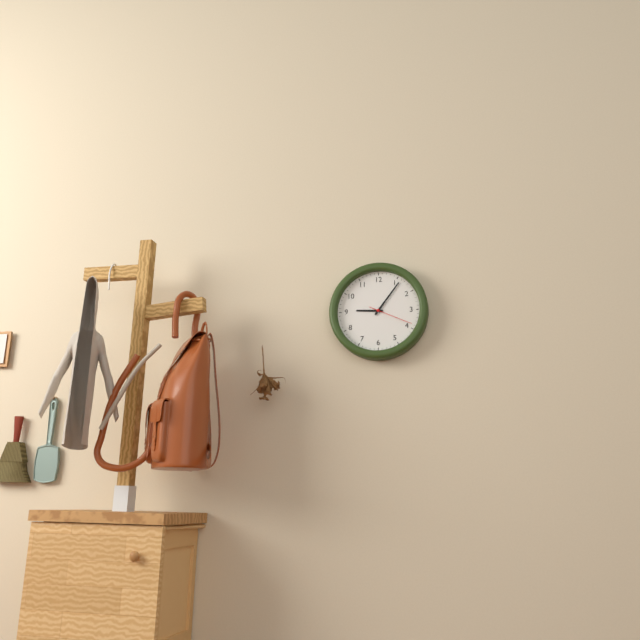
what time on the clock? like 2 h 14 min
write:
9 h 06 min
